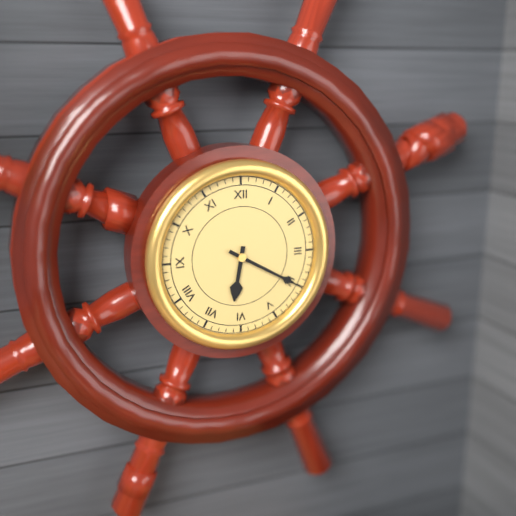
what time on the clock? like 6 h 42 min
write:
6 h 20 min
